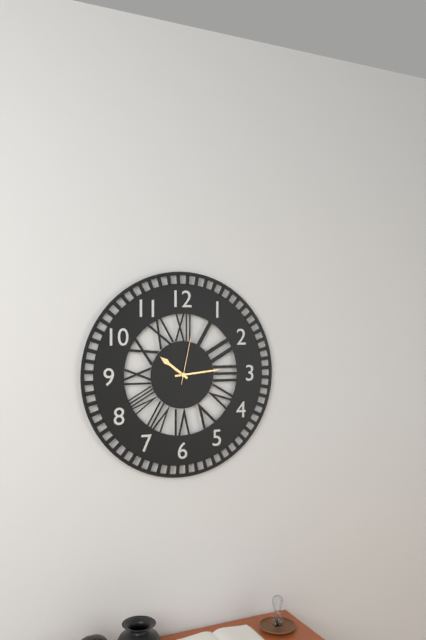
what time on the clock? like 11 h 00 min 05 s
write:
10 h 14 min 02 s
